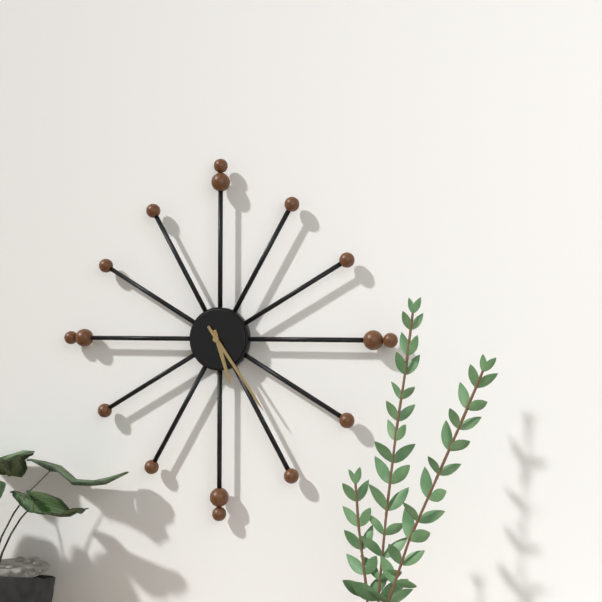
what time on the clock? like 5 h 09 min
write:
5 h 24 min
